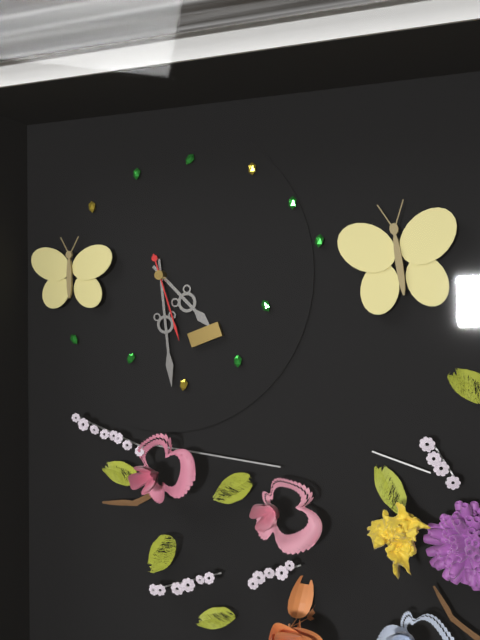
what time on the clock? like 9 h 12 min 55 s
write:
4 h 29 min 27 s
